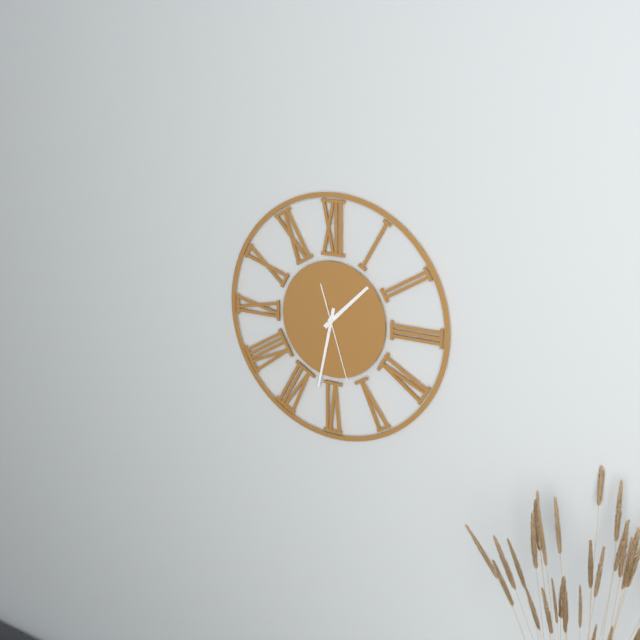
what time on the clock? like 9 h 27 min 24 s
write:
1 h 32 min 27 s
